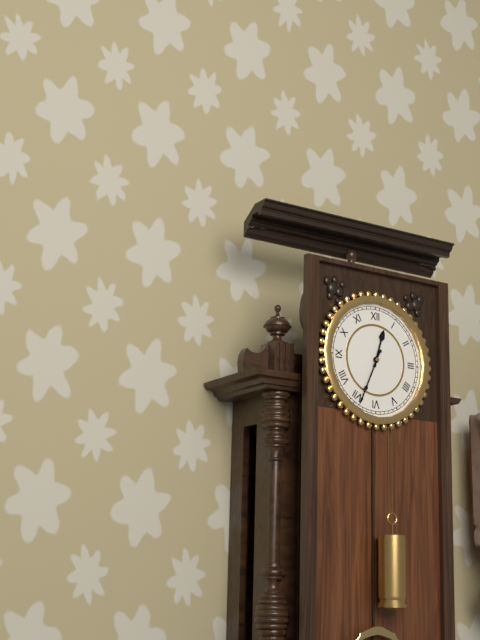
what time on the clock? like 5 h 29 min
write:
12 h 34 min
